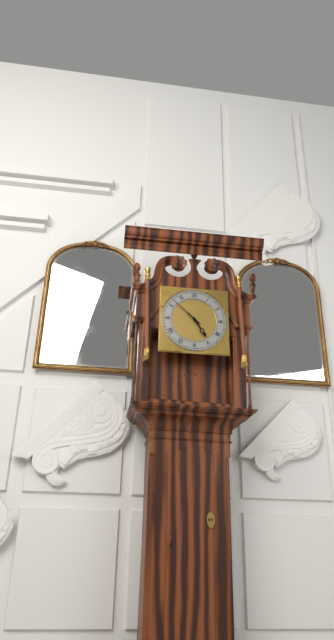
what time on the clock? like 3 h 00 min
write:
4 h 52 min
